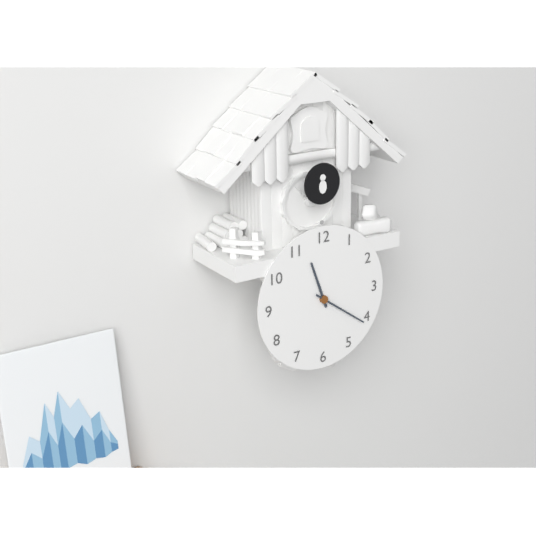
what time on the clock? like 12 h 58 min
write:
11 h 21 min
